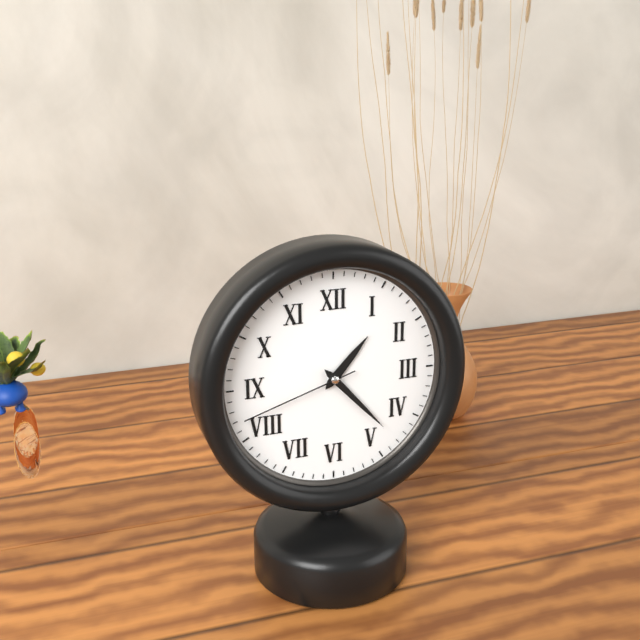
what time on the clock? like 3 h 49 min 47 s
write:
1 h 23 min 42 s
